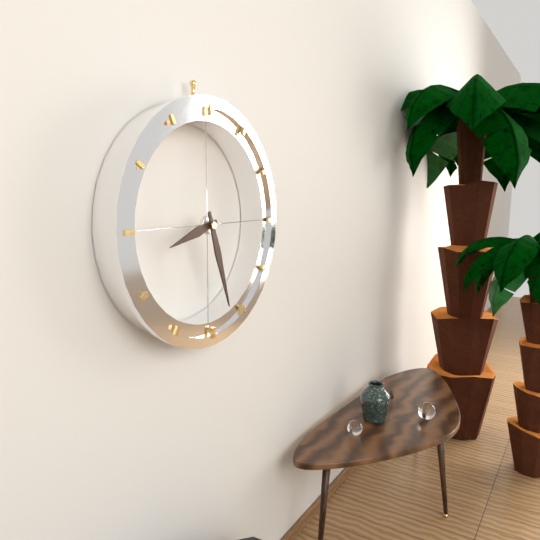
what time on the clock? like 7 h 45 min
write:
8 h 27 min
